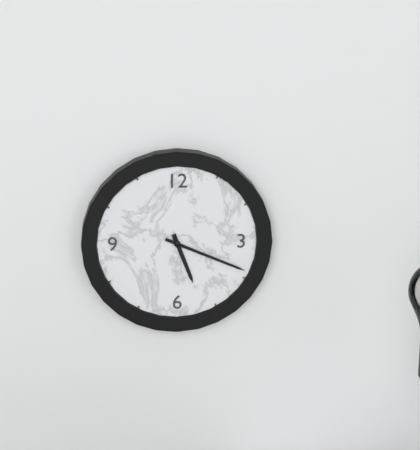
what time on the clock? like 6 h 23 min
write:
5 h 19 min
